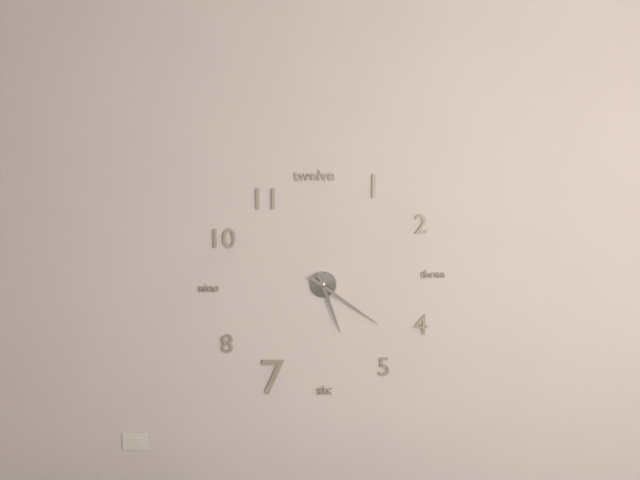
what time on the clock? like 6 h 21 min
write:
5 h 21 min
